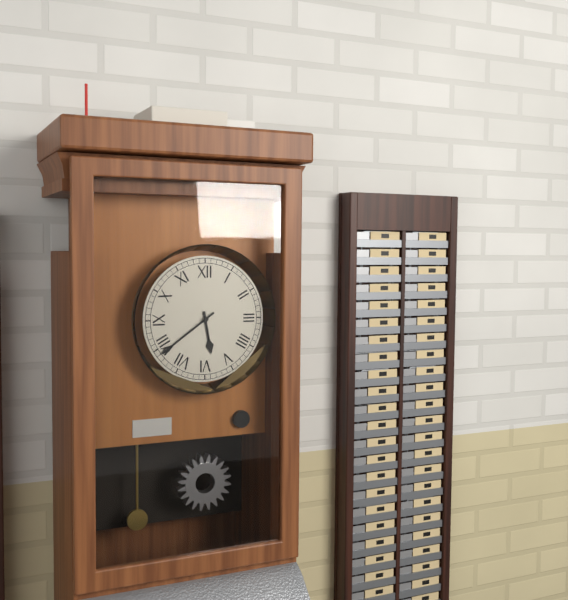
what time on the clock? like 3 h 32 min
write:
5 h 39 min
